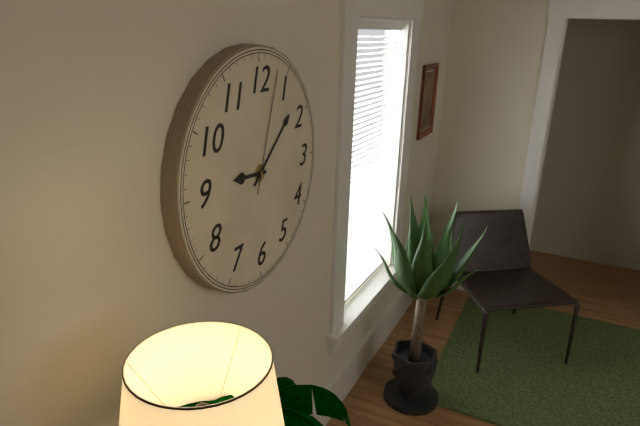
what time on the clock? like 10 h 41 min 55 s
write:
9 h 08 min 03 s
